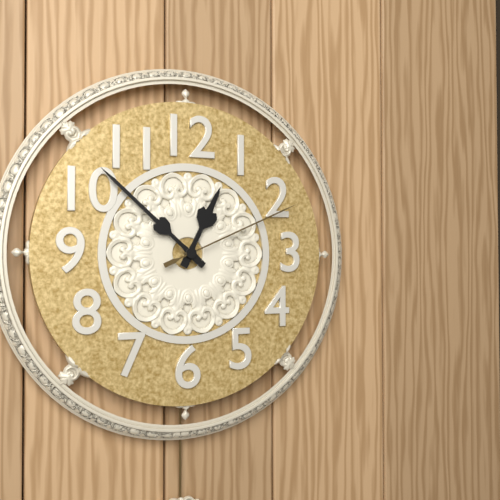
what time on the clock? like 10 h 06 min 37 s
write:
12 h 52 min 11 s
